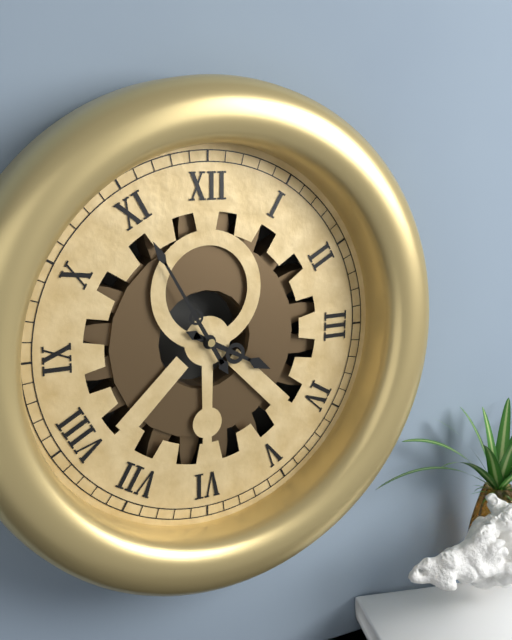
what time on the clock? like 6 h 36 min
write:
3 h 55 min
